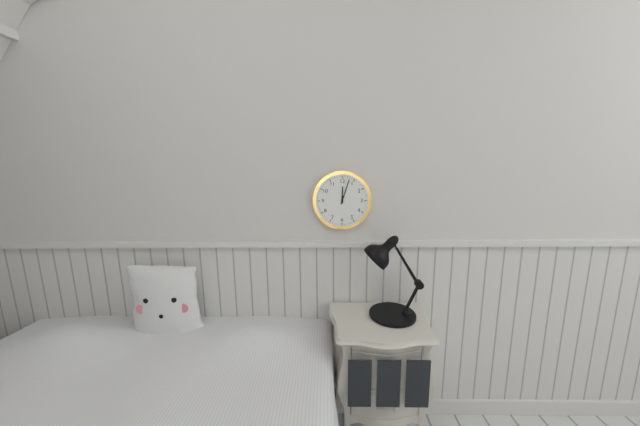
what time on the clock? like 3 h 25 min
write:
12 h 03 min
